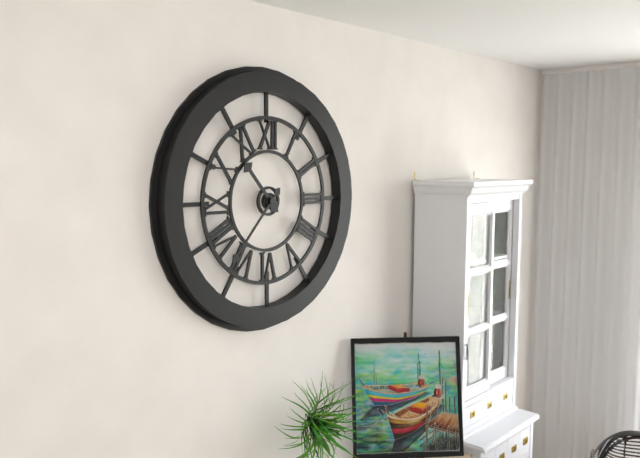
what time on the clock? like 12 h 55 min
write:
10 h 37 min
